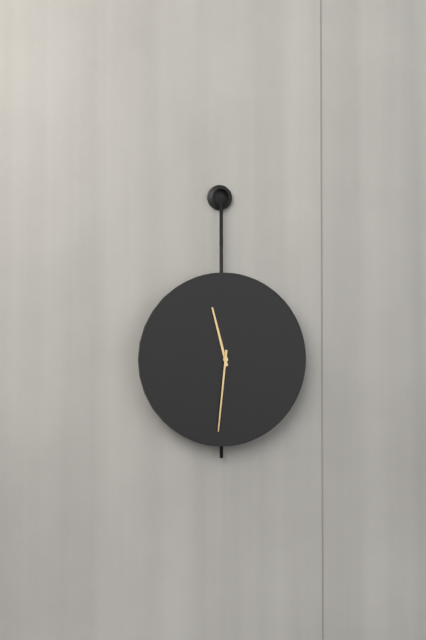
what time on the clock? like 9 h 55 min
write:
11 h 31 min
